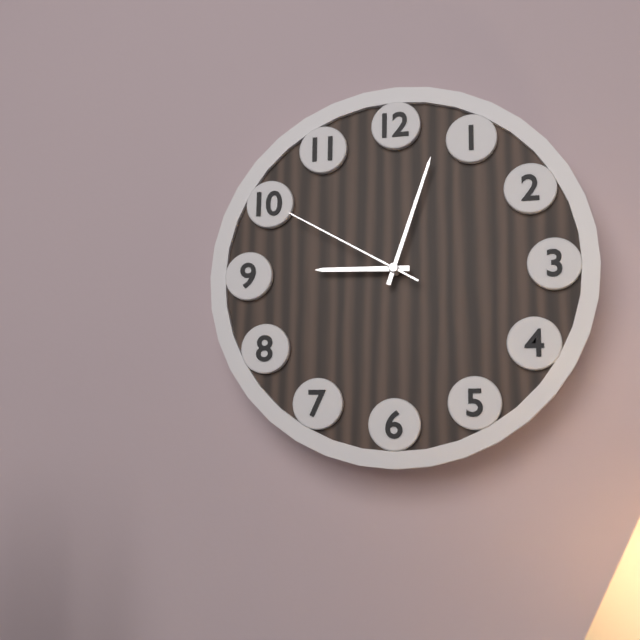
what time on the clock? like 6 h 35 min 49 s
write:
9 h 03 min 50 s
